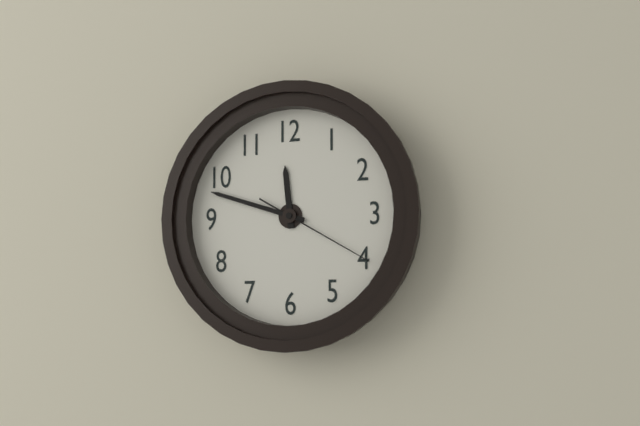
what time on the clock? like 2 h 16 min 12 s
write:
11 h 48 min 20 s
